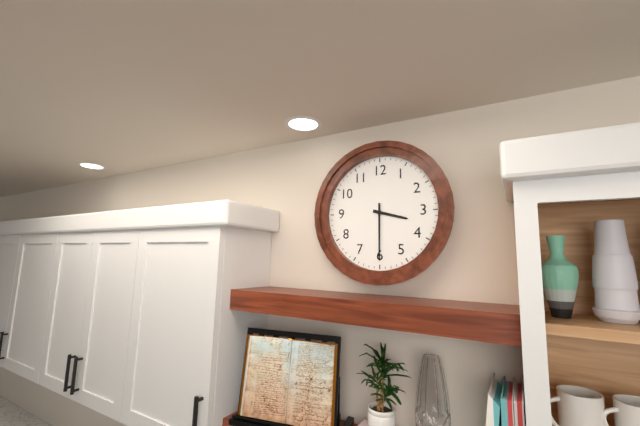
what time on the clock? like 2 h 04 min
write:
3 h 30 min
